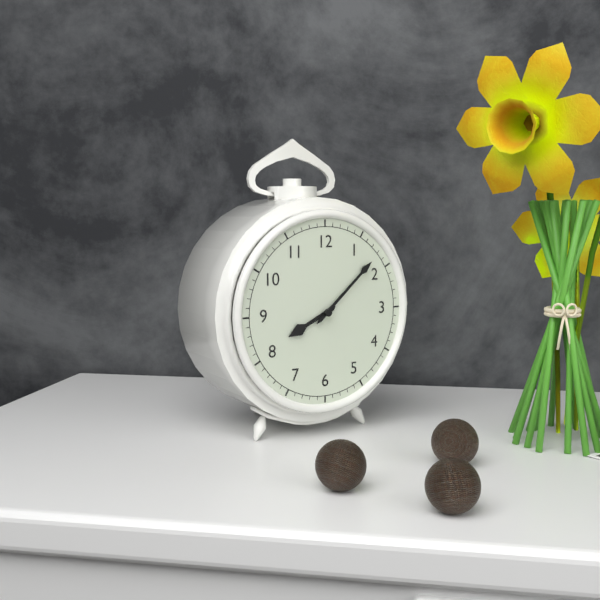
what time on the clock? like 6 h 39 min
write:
8 h 08 min
